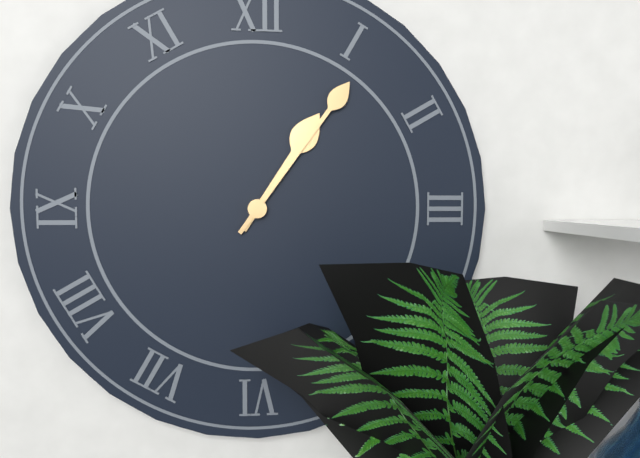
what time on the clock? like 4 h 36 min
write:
1 h 06 min
